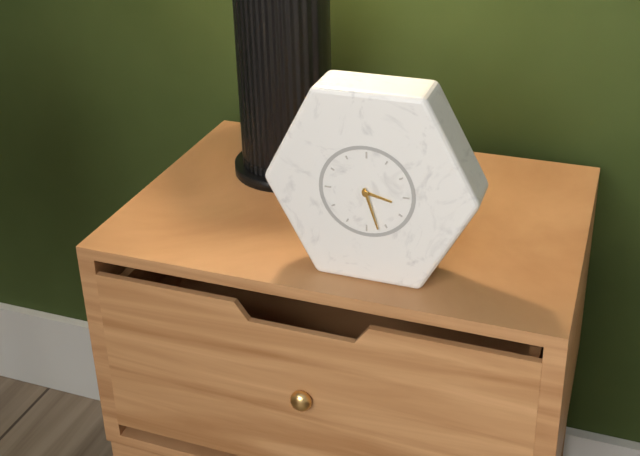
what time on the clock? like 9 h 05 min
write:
3 h 27 min
